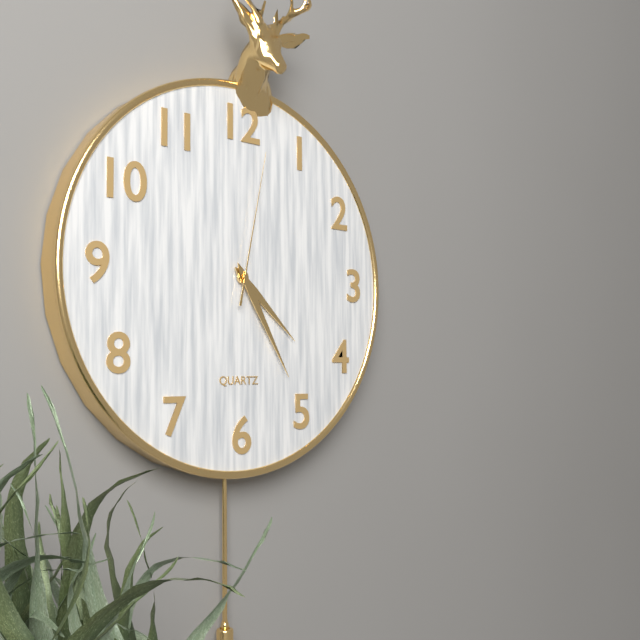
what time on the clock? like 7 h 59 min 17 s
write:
4 h 25 min 02 s
